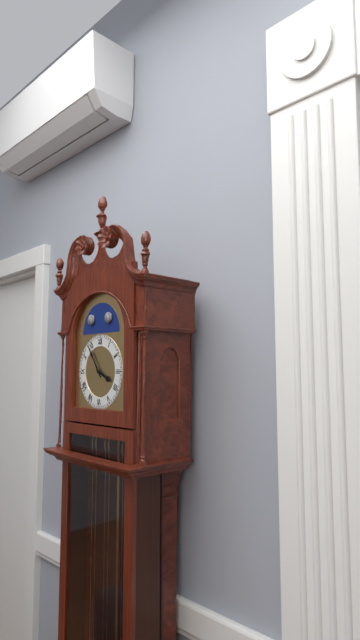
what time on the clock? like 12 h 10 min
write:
3 h 54 min
